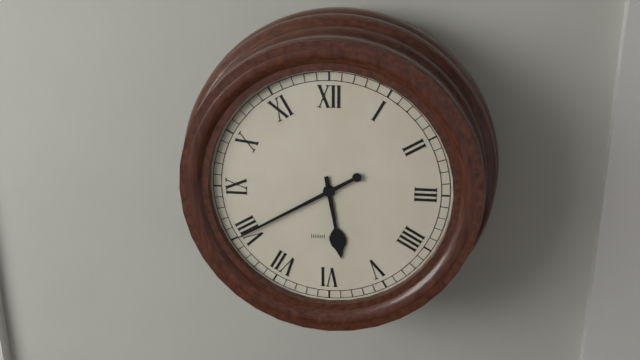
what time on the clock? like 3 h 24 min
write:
5 h 40 min
